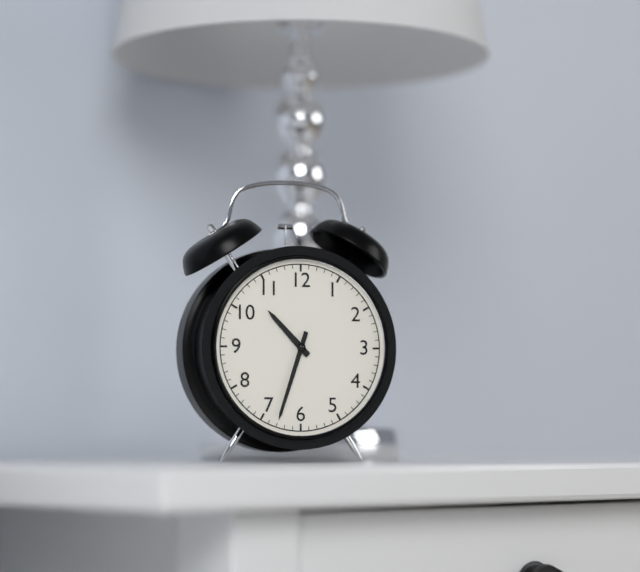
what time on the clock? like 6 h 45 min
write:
10 h 33 min
